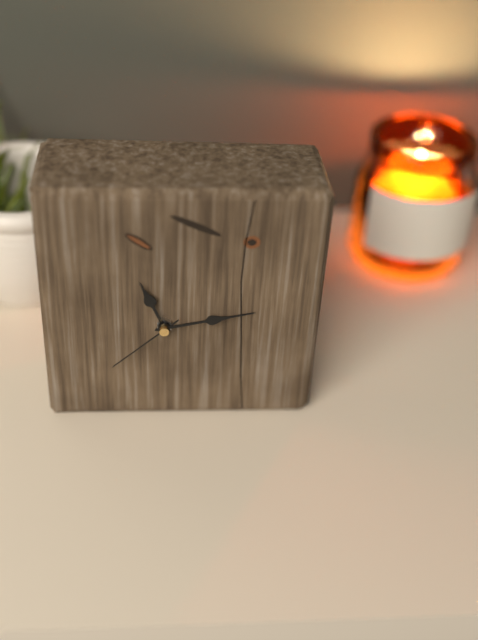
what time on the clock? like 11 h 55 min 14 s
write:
11 h 13 min 38 s
